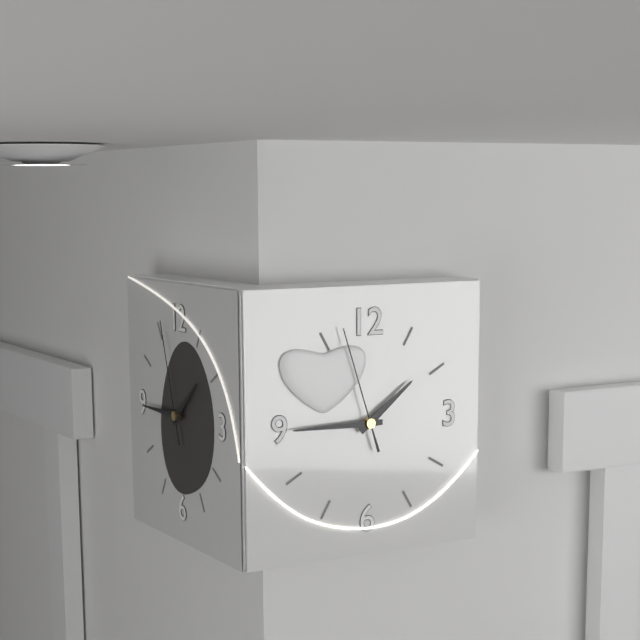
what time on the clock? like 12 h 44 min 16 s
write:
1 h 45 min 57 s
